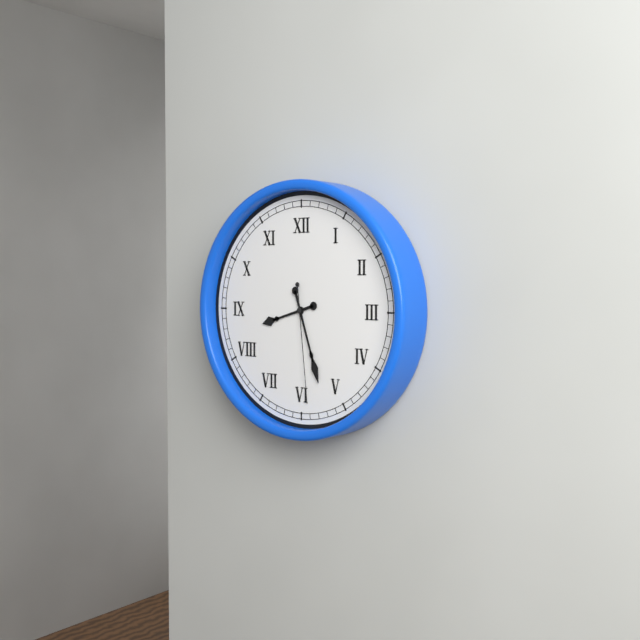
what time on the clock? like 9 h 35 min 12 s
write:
8 h 27 min 29 s
